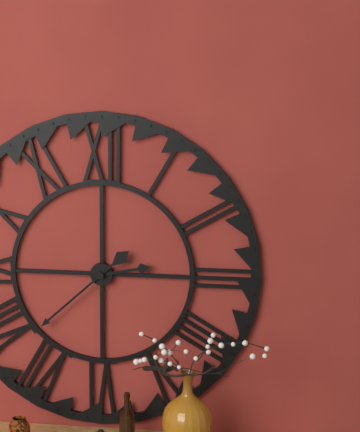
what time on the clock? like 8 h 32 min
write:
2 h 38 min
